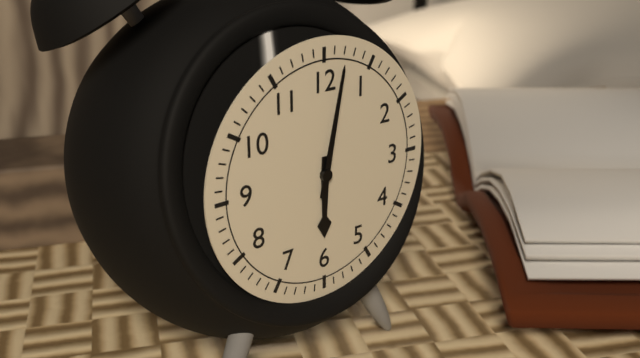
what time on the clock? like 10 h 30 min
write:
6 h 02 min
